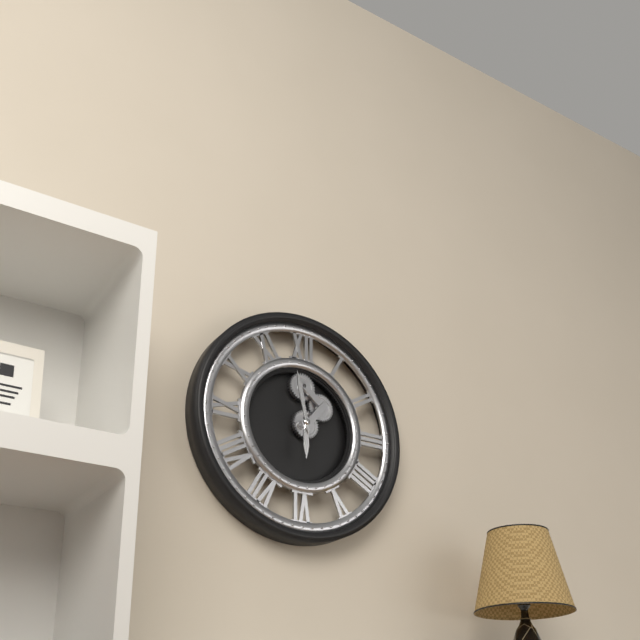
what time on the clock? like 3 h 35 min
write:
5 h 58 min
